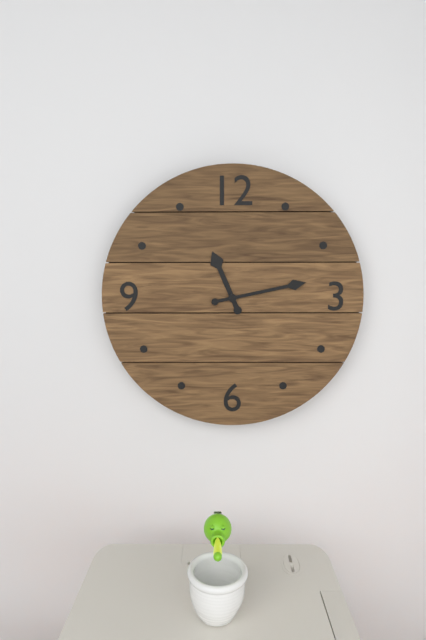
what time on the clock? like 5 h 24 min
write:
11 h 13 min
